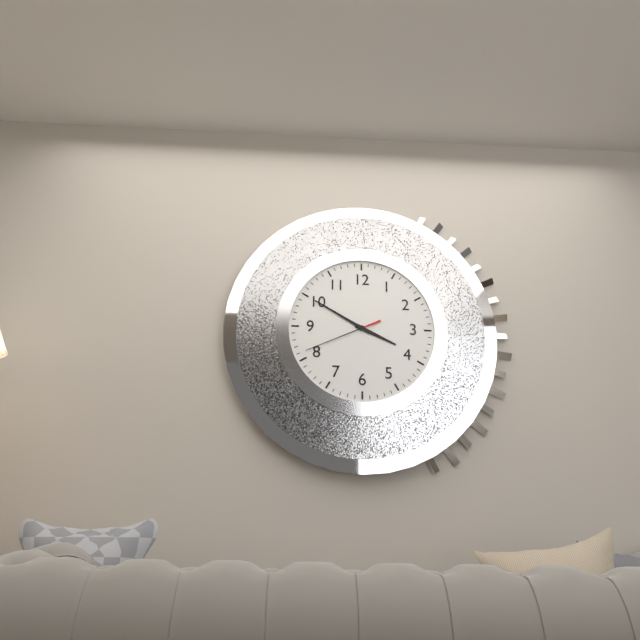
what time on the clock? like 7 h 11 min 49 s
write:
3 h 50 min 41 s
